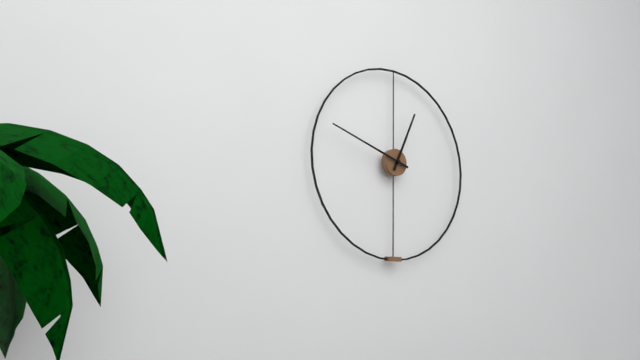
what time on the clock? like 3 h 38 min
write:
12 h 48 min
